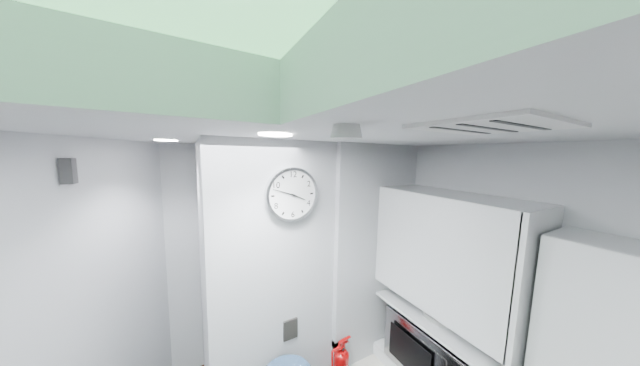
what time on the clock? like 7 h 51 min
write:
3 h 48 min
